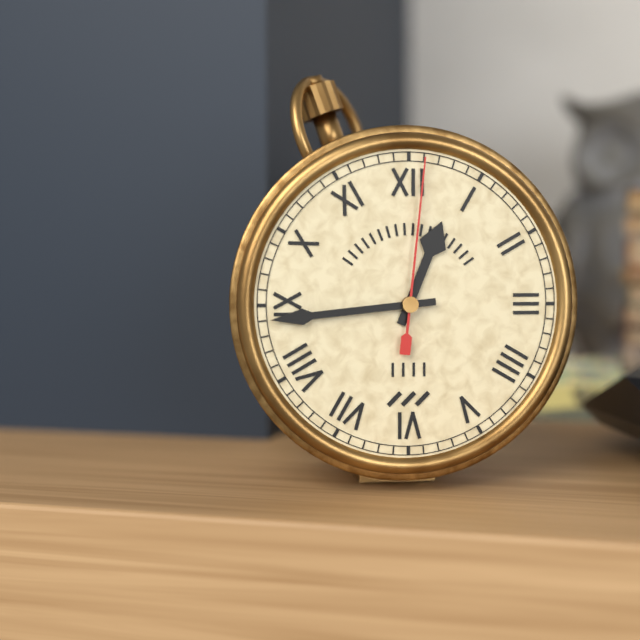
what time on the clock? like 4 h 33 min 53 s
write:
12 h 44 min 01 s
